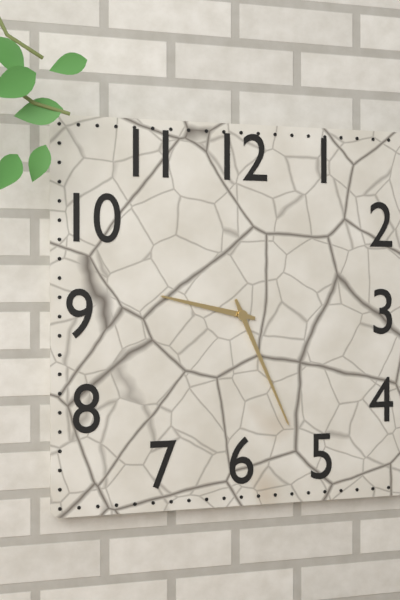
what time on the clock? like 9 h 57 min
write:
9 h 26 min
